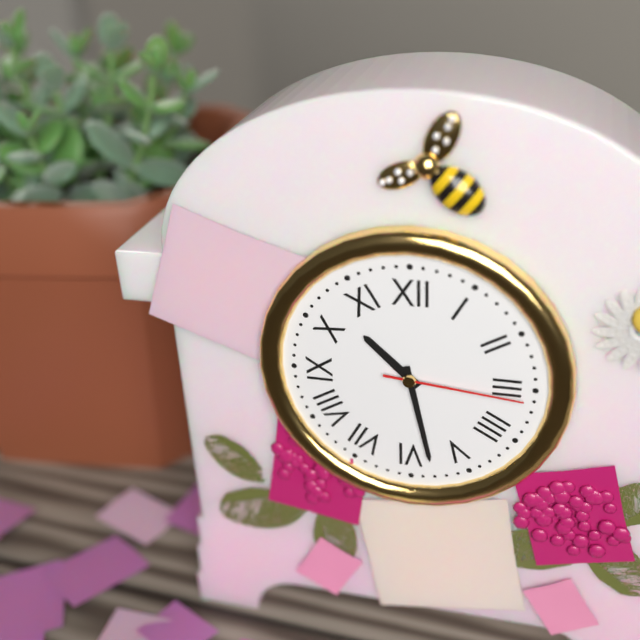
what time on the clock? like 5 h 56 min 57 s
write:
10 h 28 min 16 s
